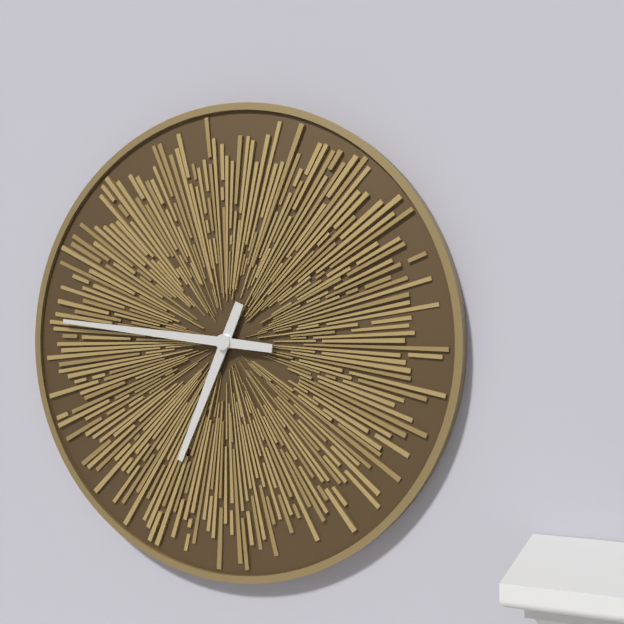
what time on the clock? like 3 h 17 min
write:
6 h 46 min
